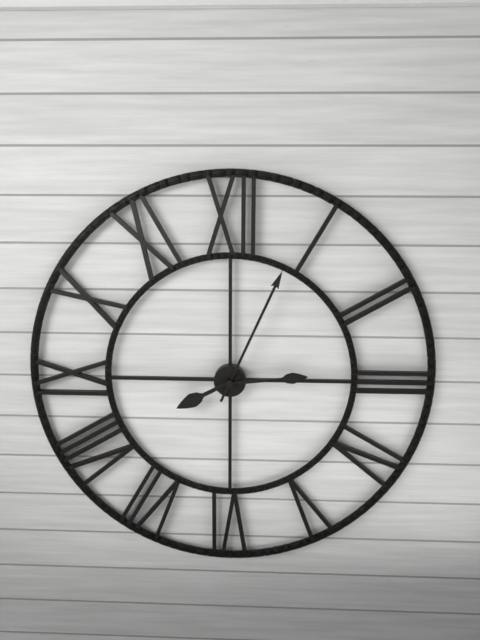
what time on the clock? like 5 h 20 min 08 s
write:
8 h 04 min 14 s
